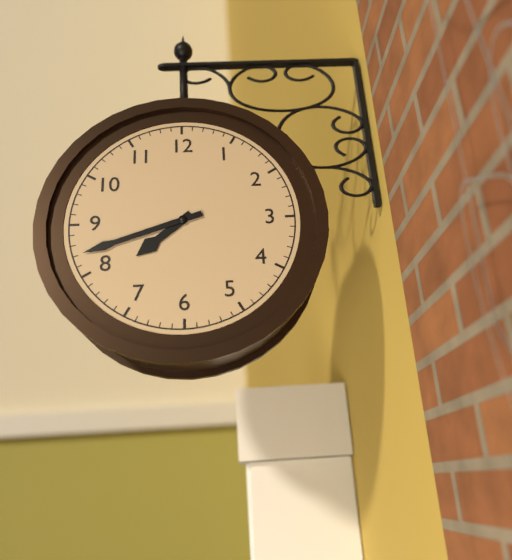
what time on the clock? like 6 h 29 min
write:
7 h 42 min
